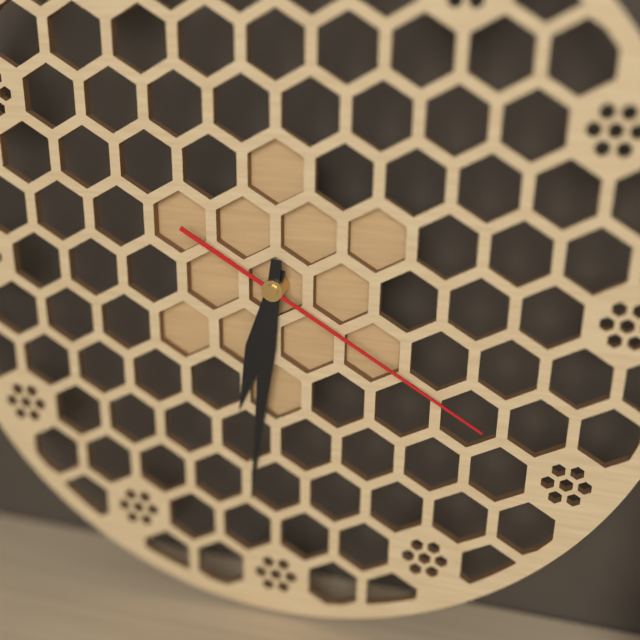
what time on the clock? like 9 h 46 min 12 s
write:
6 h 31 min 20 s
